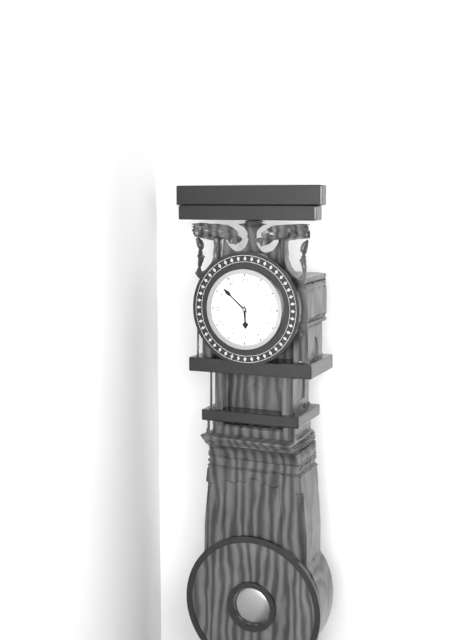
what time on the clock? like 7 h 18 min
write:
5 h 52 min
